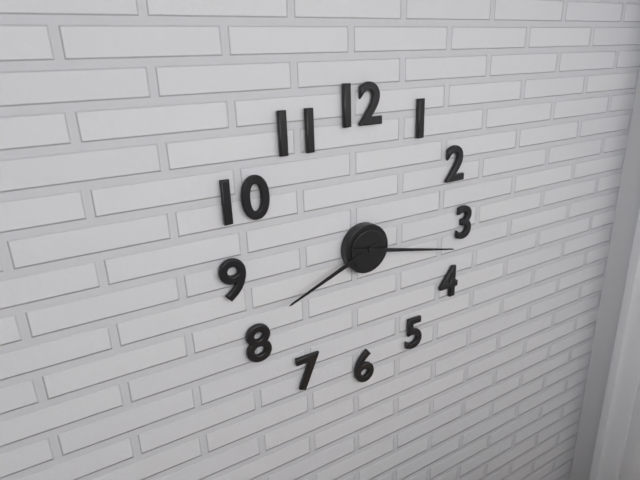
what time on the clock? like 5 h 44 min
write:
8 h 17 min
